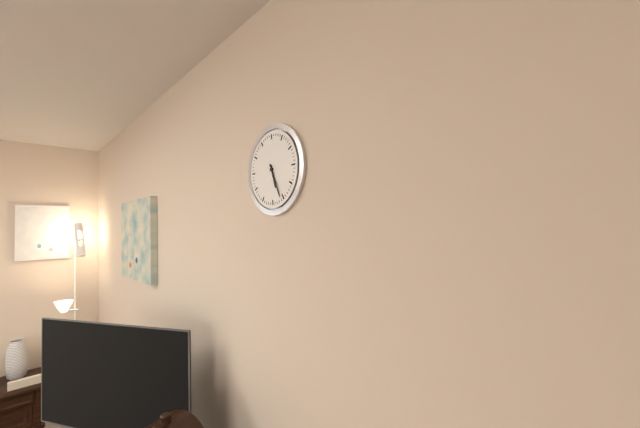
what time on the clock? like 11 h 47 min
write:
5 h 26 min
